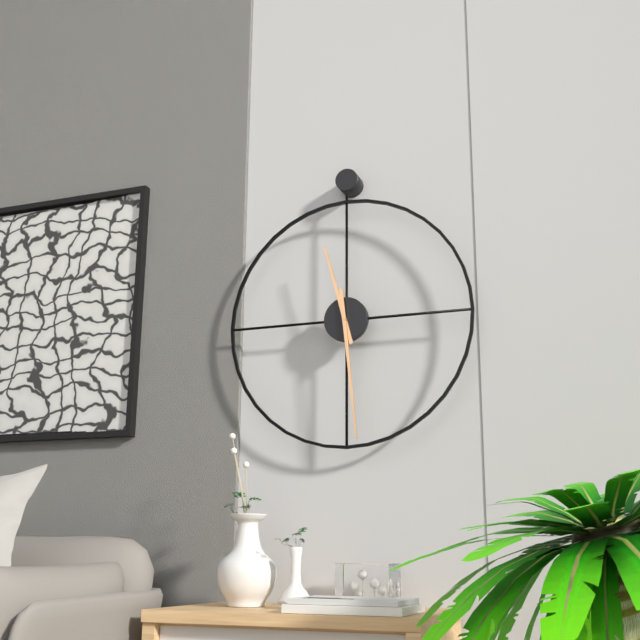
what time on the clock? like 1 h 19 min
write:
11 h 29 min
